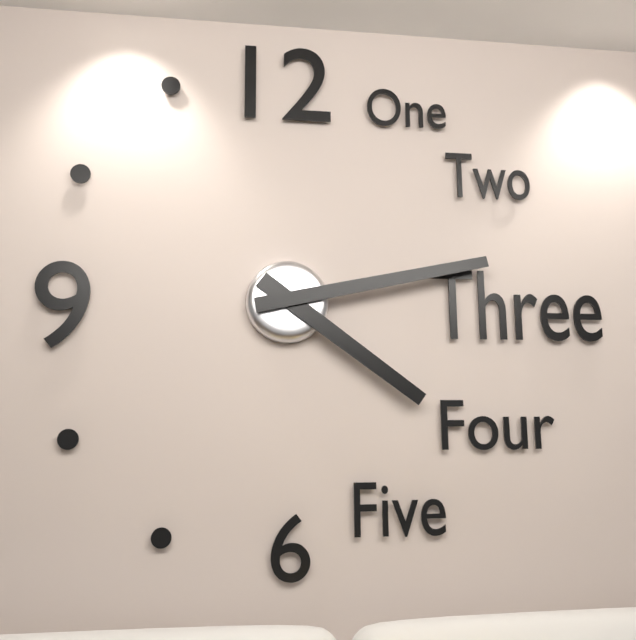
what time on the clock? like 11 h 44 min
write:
4 h 13 min
